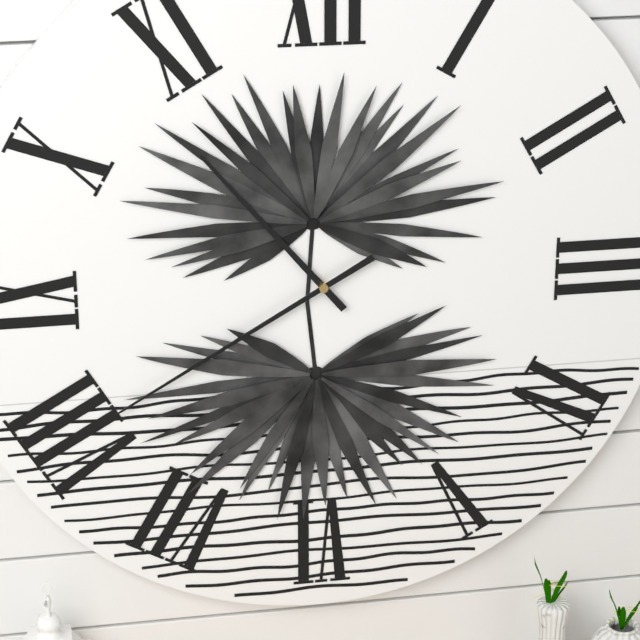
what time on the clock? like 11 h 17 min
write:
10 h 40 min
